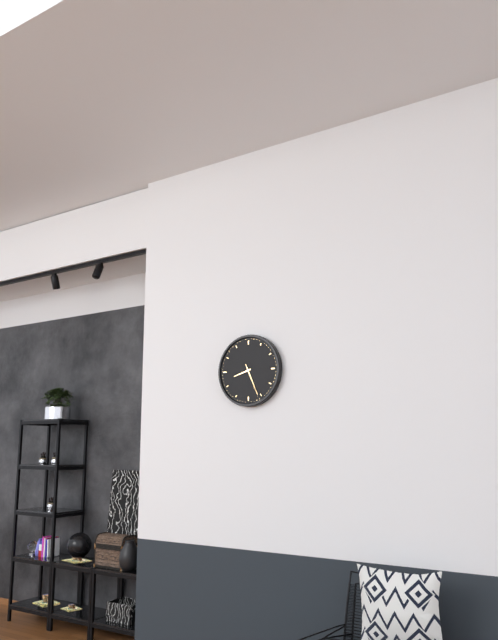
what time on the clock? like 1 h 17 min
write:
8 h 26 min
